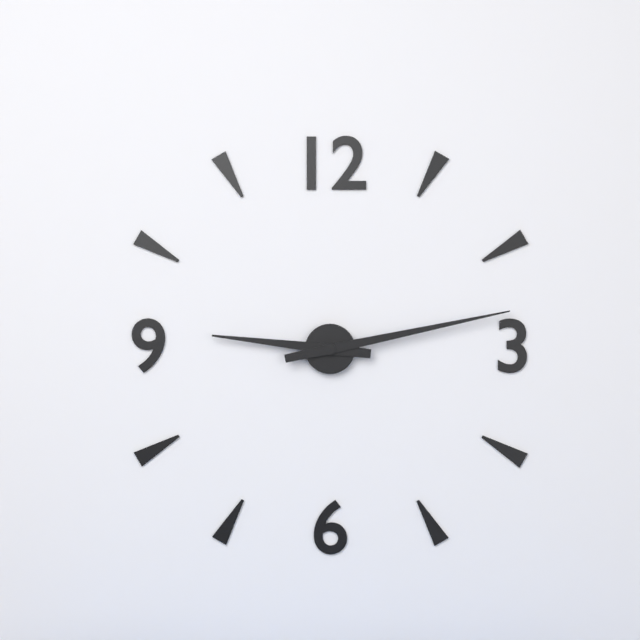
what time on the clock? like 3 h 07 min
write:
9 h 13 min
